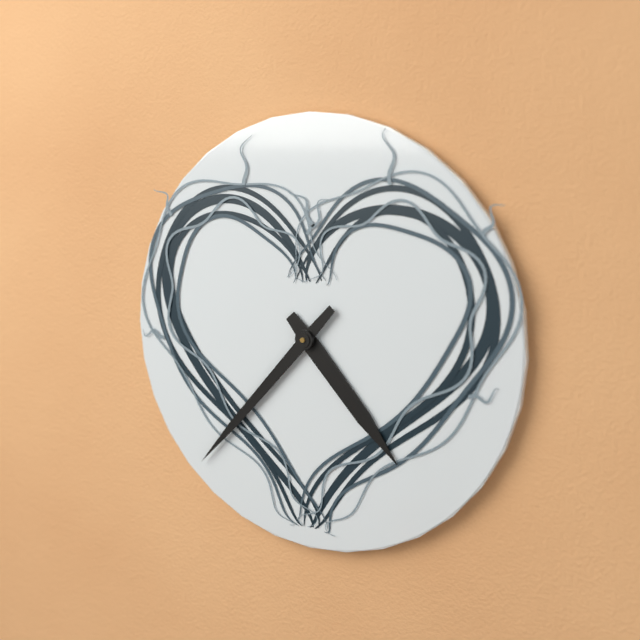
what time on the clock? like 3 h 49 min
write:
4 h 37 min
